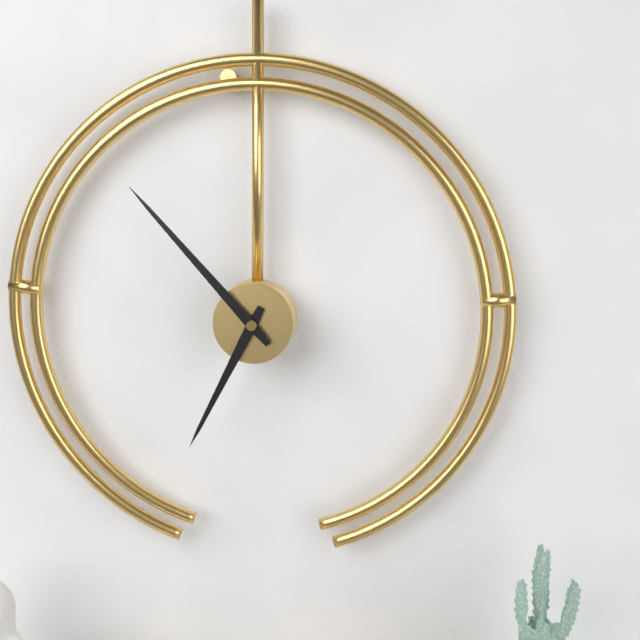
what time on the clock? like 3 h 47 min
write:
6 h 53 min
